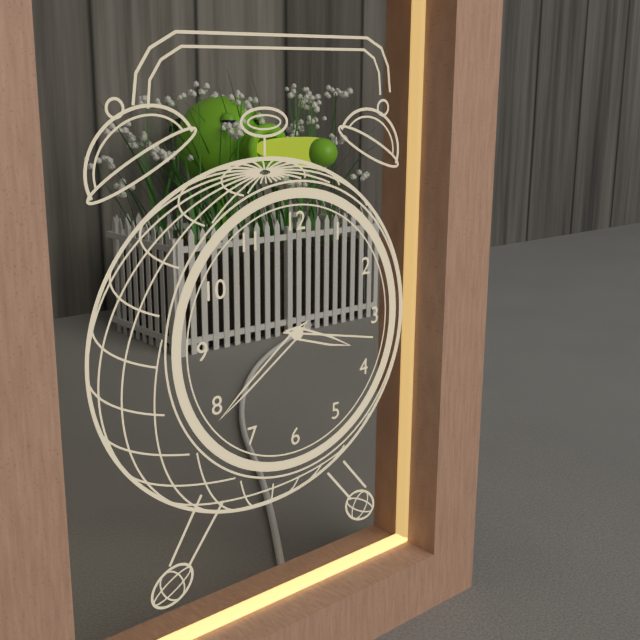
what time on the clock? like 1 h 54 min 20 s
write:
3 h 39 min 17 s
